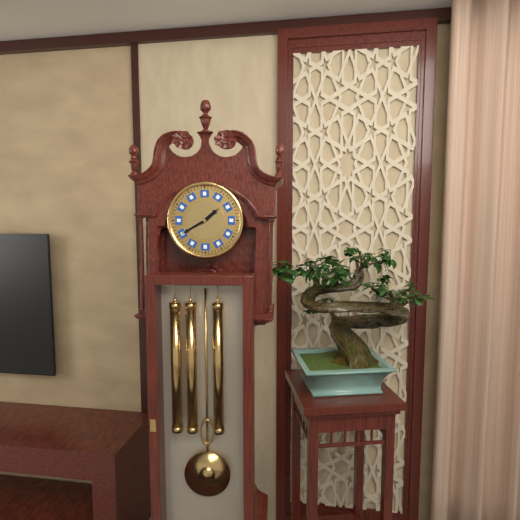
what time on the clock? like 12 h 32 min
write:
1 h 40 min
